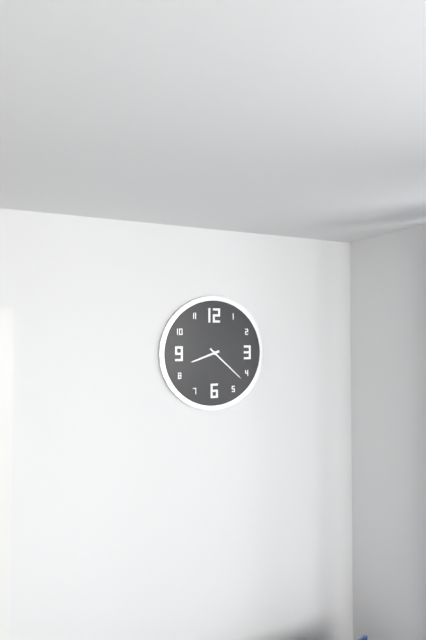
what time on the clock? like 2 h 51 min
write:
8 h 22 min
